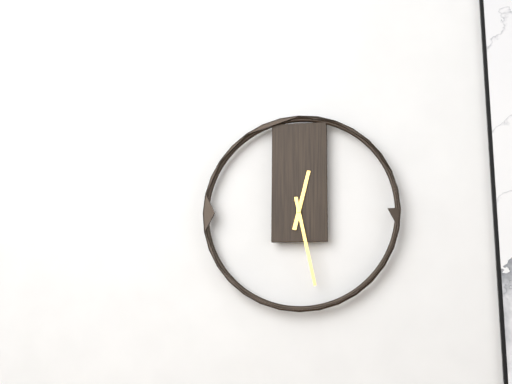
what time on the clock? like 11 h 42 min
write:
12 h 28 min
